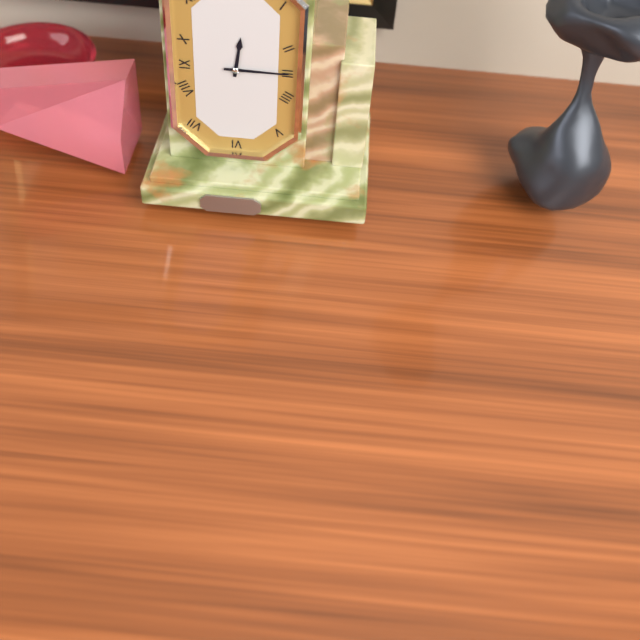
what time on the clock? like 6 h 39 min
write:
12 h 15 min
